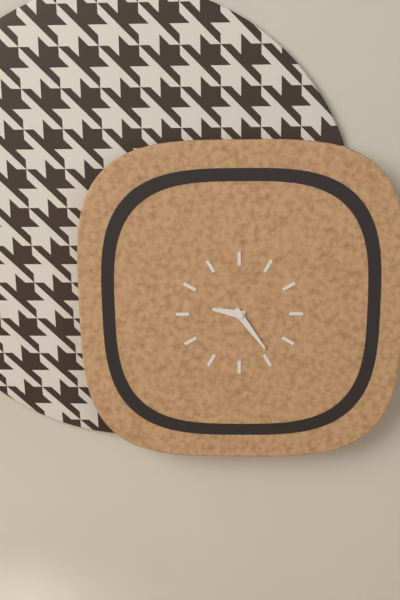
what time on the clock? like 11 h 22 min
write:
9 h 24 min
